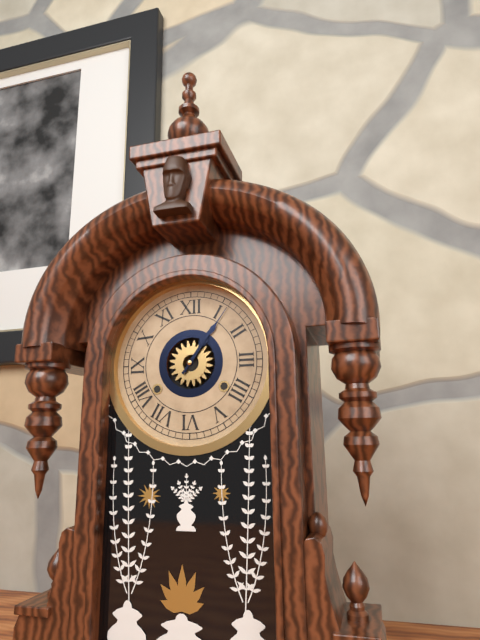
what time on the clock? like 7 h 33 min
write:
1 h 06 min
